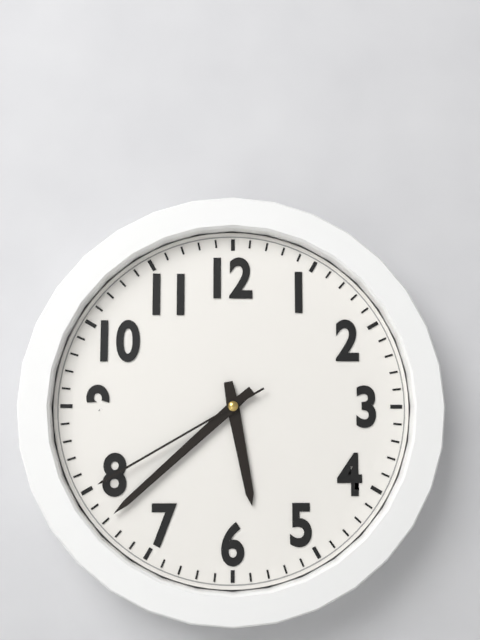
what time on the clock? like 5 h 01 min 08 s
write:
5 h 38 min 40 s
